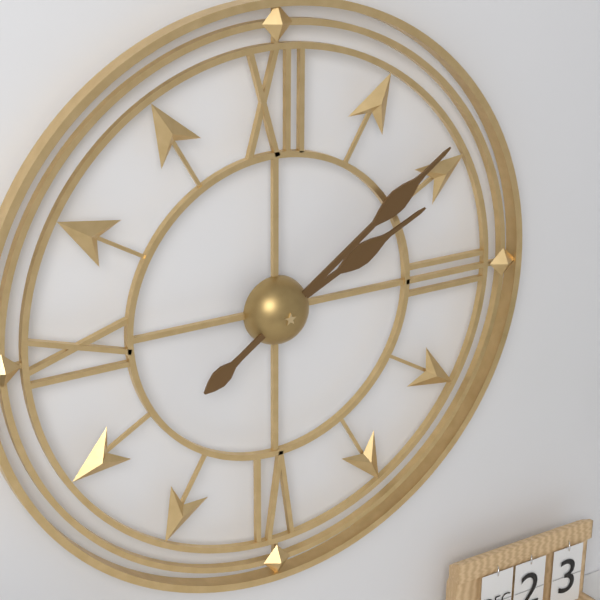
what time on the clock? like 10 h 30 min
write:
2 h 09 min
